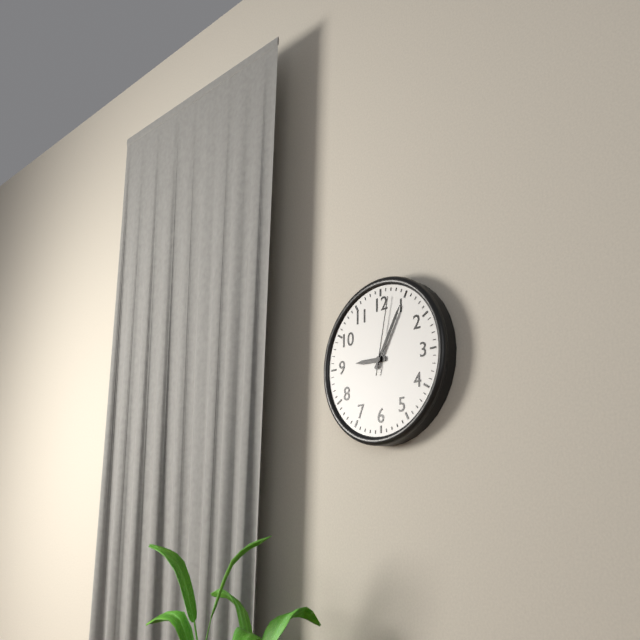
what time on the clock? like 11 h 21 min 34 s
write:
9 h 05 min 02 s
